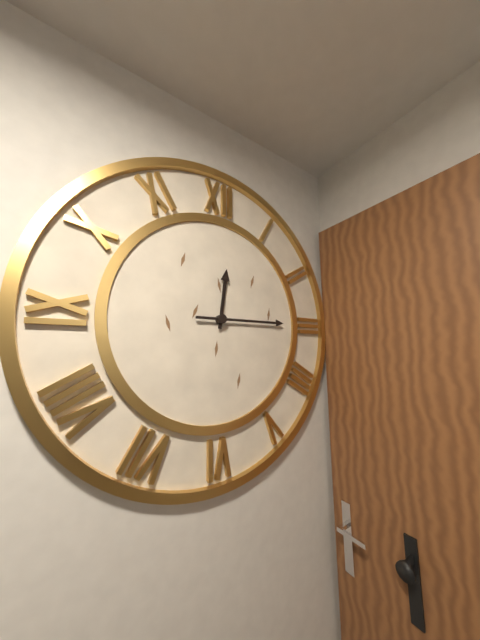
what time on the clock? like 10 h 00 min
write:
12 h 15 min
